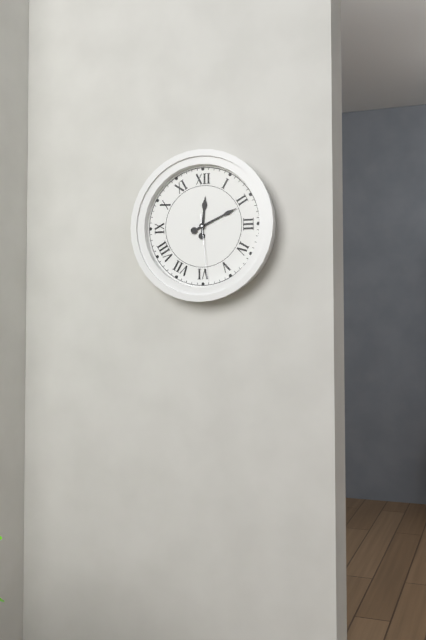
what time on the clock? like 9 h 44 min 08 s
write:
12 h 11 min 29 s
